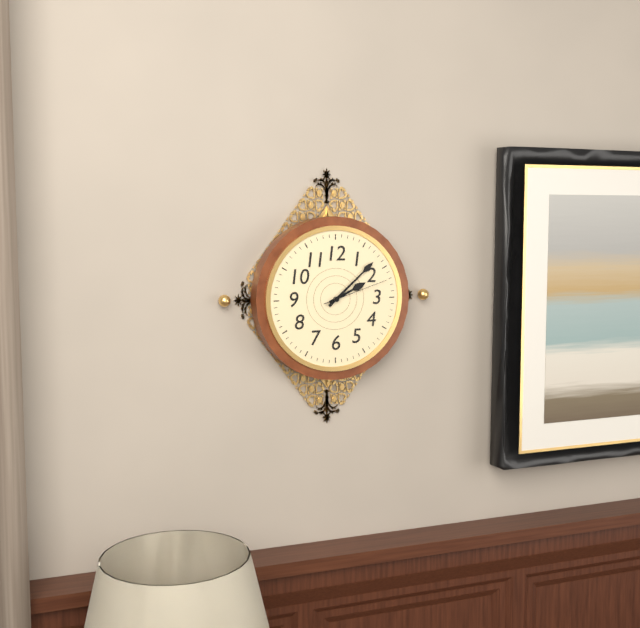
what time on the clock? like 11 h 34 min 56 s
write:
2 h 08 min 12 s
